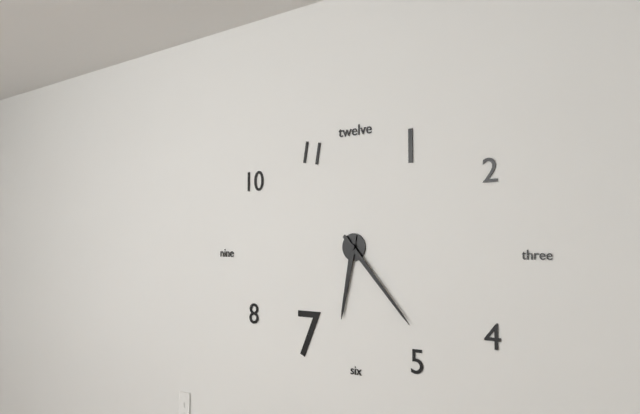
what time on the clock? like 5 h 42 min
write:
6 h 23 min
